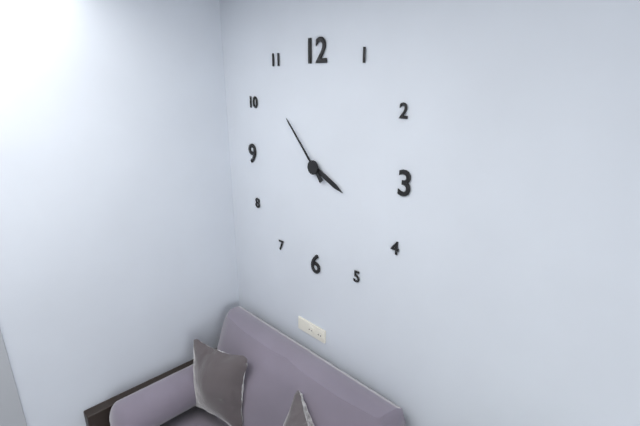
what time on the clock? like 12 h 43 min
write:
3 h 53 min
